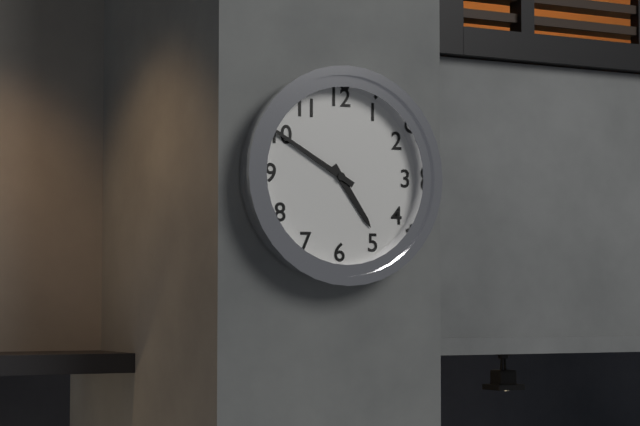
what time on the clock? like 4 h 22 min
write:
4 h 50 min
